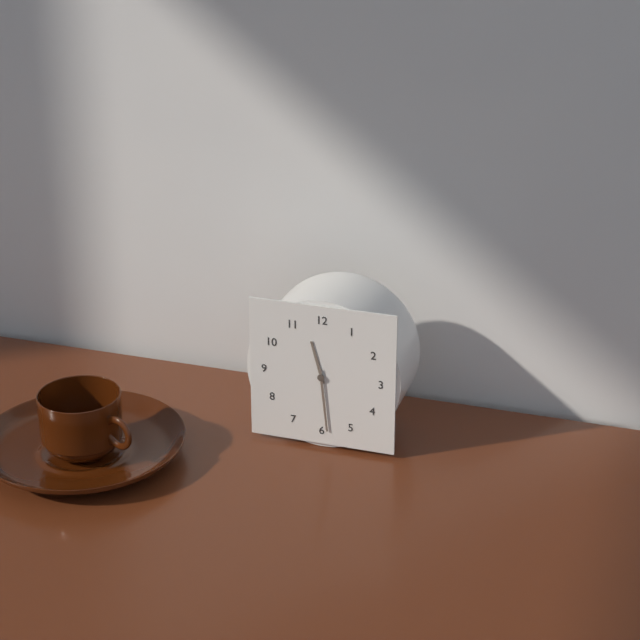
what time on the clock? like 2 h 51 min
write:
11 h 29 min
